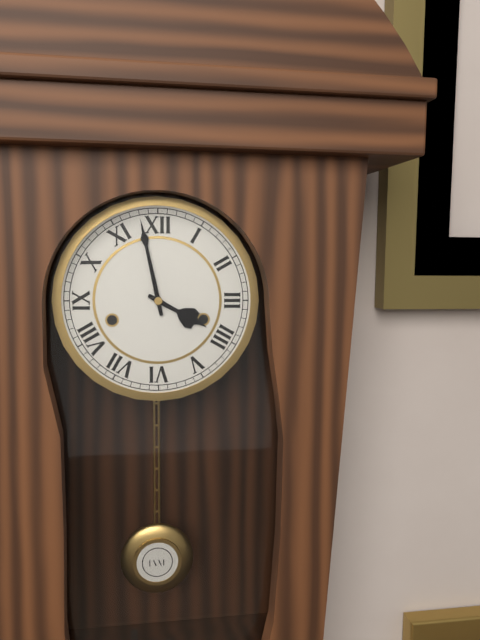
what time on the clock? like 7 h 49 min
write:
3 h 58 min
